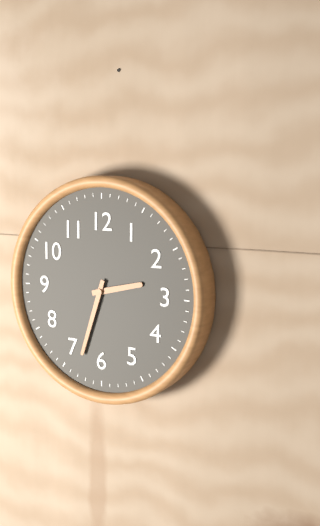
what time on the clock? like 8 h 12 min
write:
2 h 33 min
